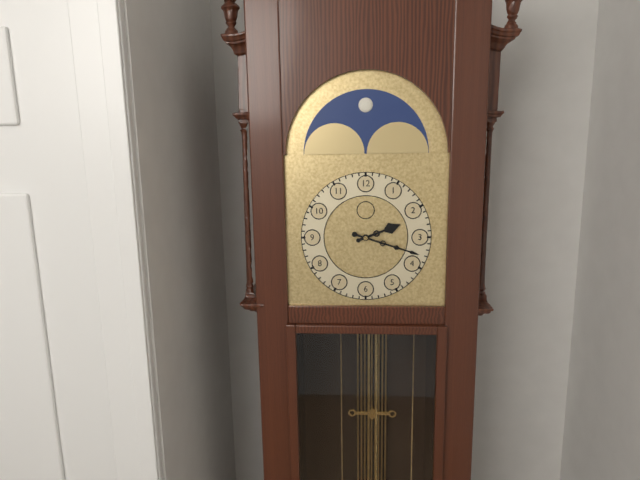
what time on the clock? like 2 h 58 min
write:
2 h 18 min
